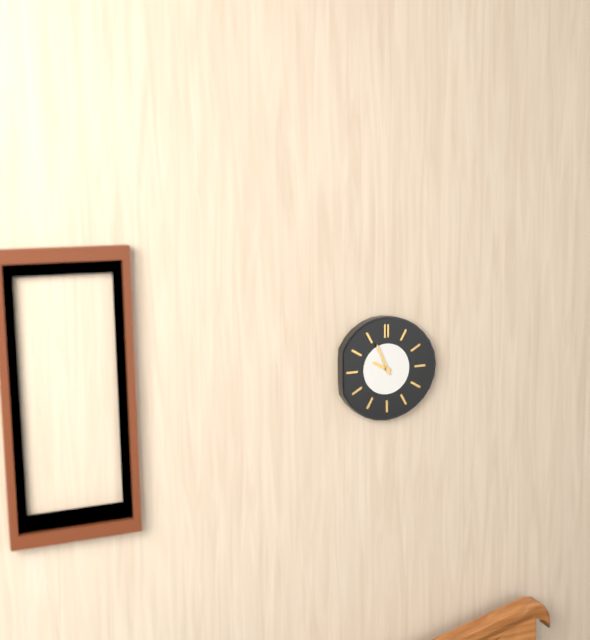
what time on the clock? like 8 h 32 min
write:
9 h 56 min
